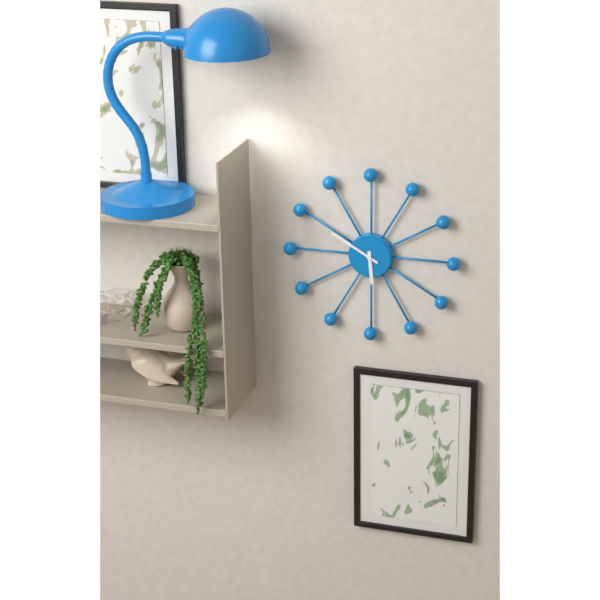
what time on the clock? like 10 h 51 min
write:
5 h 50 min
